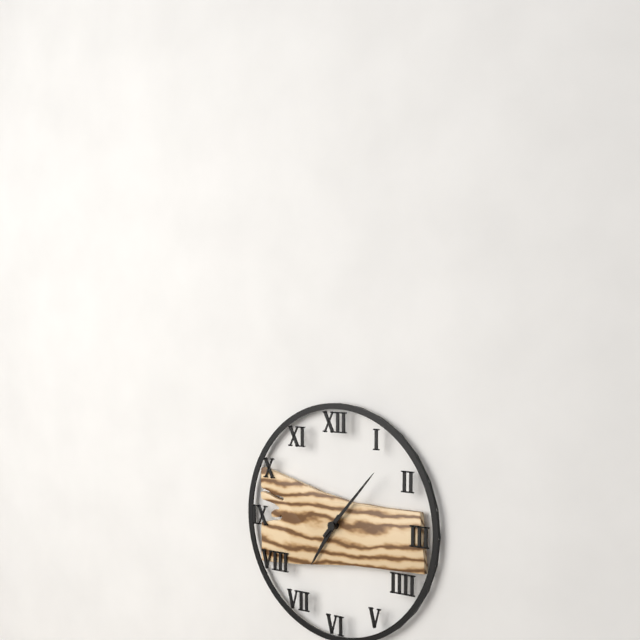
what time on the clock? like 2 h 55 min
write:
7 h 07 min
